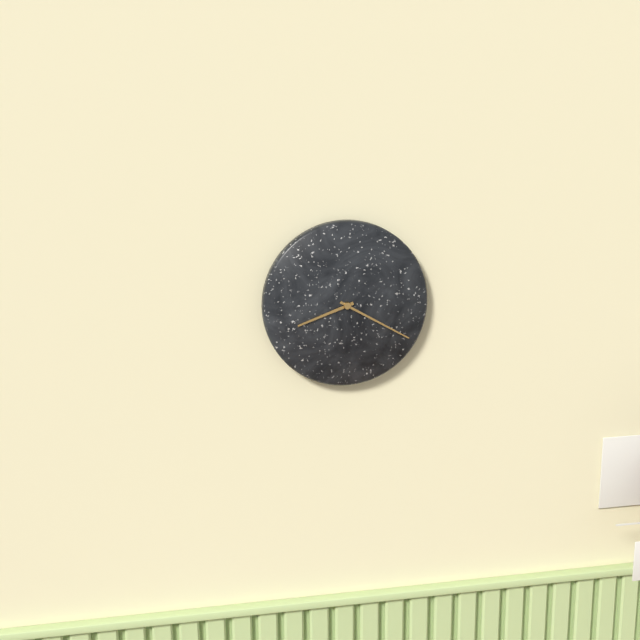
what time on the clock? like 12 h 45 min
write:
8 h 20 min
